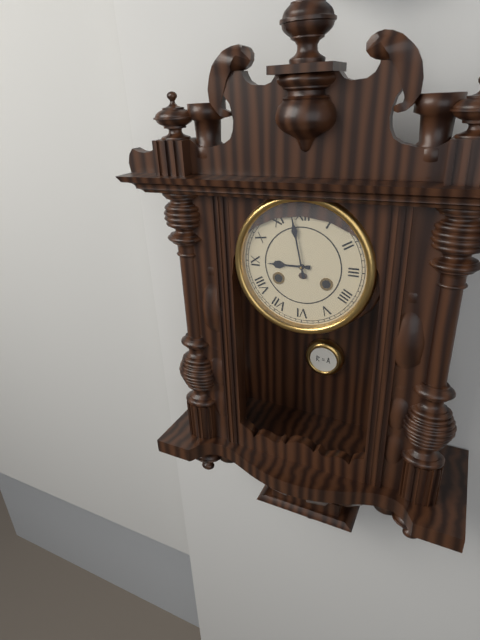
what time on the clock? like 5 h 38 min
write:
8 h 58 min
